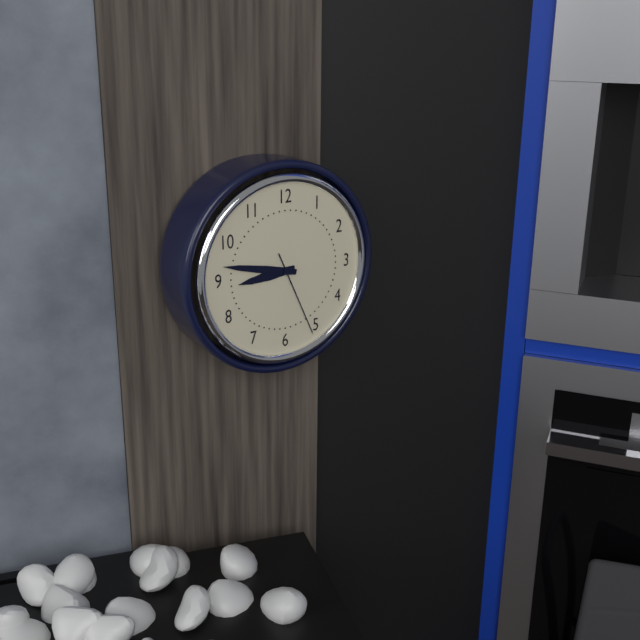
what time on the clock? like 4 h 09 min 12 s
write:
8 h 47 min 26 s
